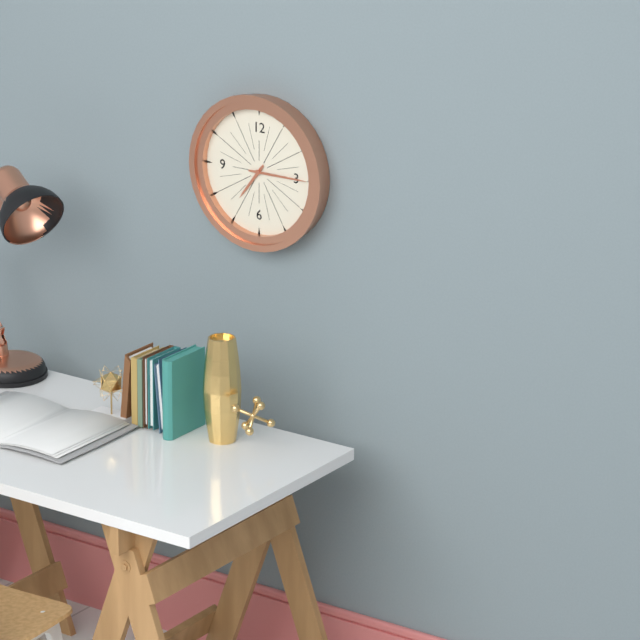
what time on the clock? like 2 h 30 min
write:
7 h 15 min
